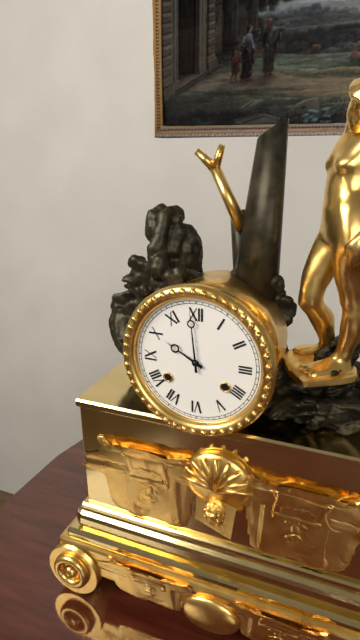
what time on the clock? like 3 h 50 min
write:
9 h 59 min
